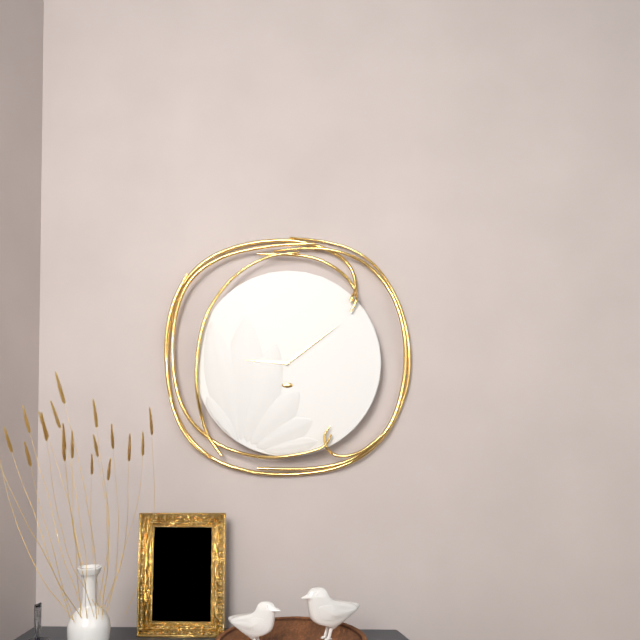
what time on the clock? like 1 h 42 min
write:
9 h 09 min
